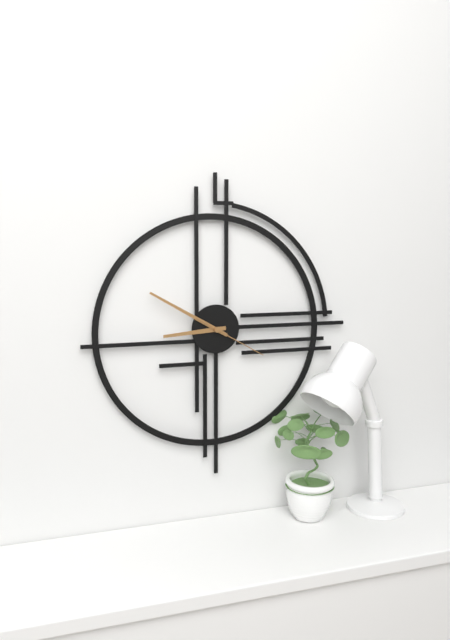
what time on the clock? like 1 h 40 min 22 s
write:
8 h 50 min 20 s
